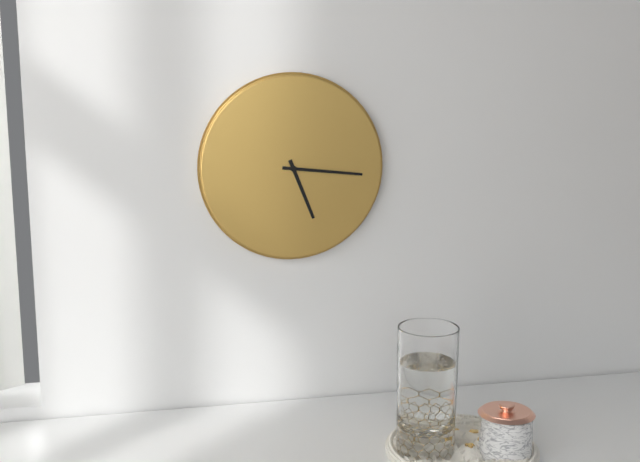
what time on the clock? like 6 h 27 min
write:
5 h 16 min
